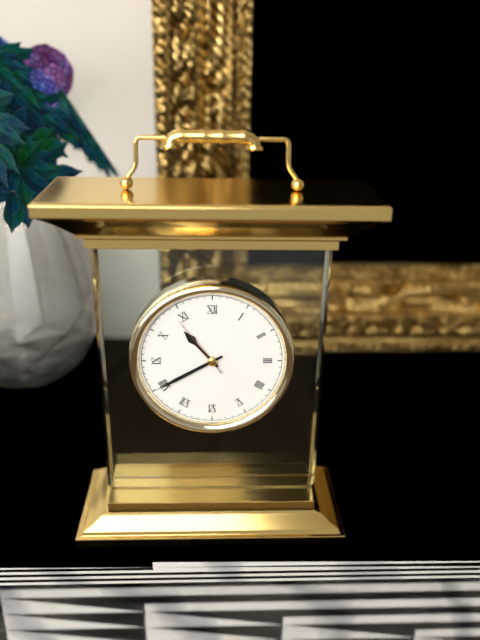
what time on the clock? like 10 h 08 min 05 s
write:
10 h 40 min 54 s
